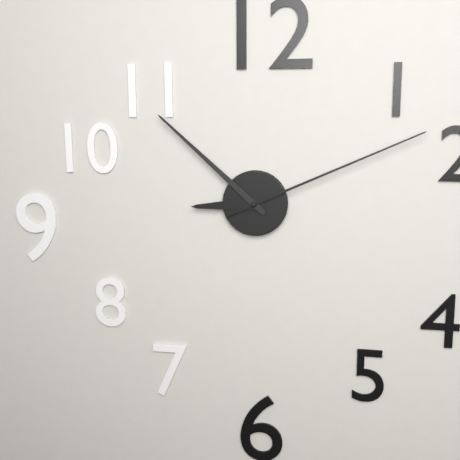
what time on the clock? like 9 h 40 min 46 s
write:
8 h 52 min 11 s
